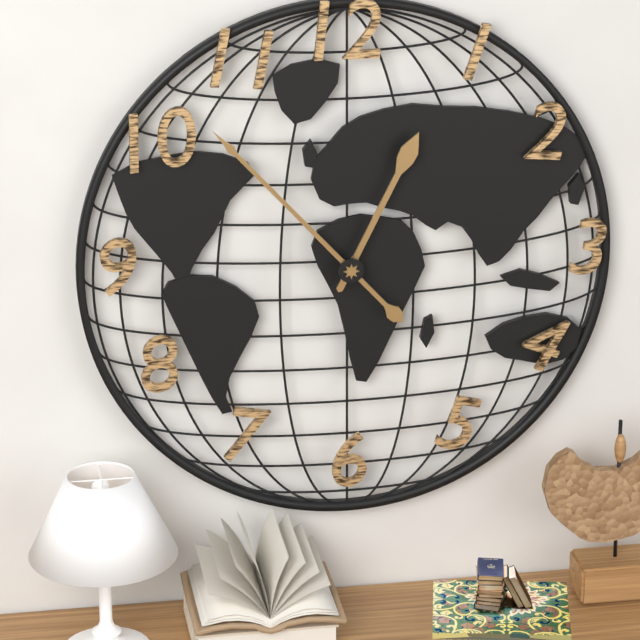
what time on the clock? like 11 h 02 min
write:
12 h 53 min
